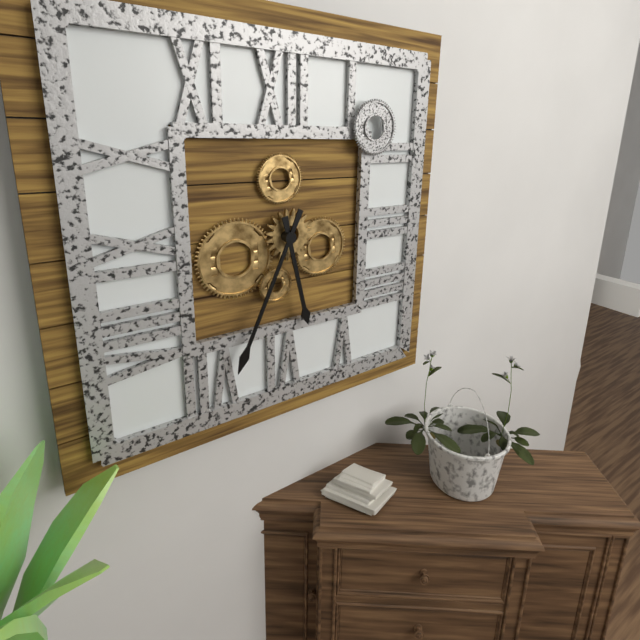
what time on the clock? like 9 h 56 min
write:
5 h 34 min
